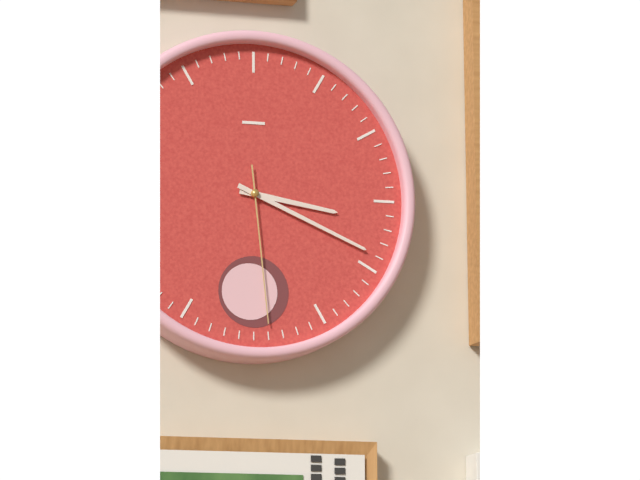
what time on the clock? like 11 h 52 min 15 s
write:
3 h 19 min 29 s
